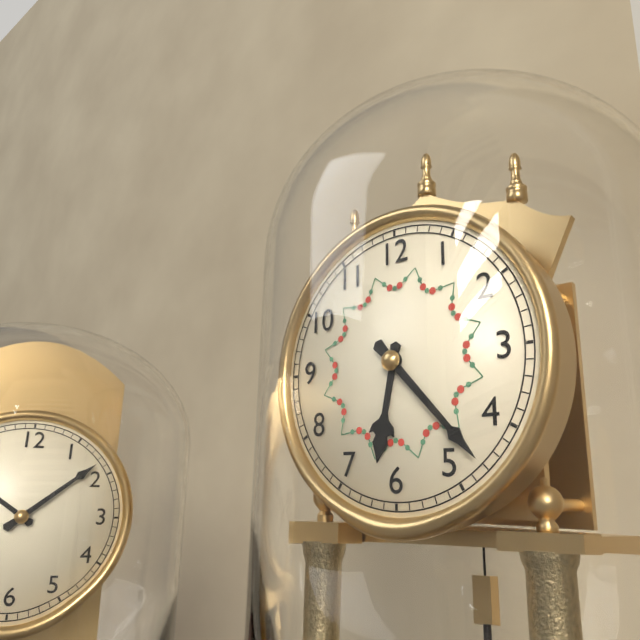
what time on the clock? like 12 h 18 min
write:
6 h 23 min
